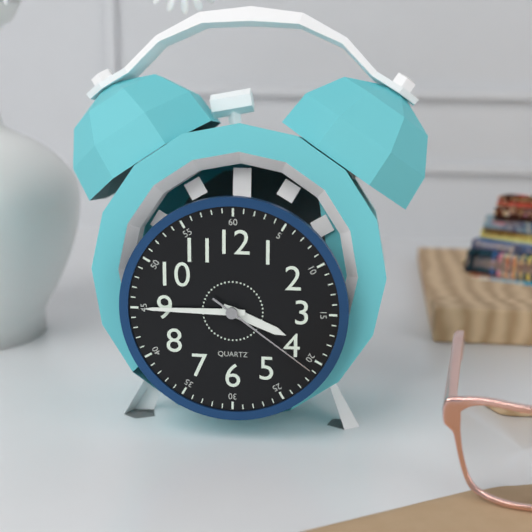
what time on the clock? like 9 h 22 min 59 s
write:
3 h 45 min 21 s
